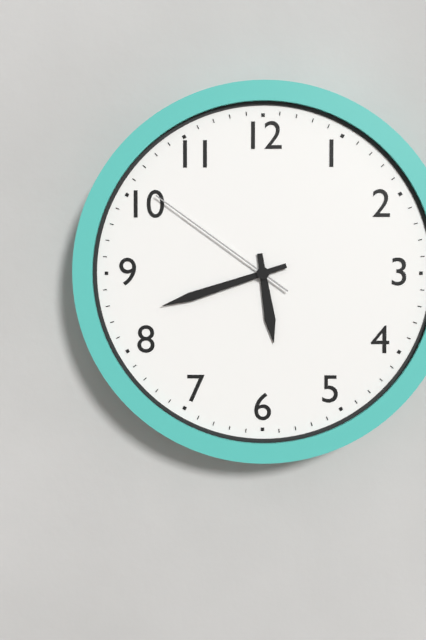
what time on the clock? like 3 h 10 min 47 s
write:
5 h 42 min 51 s
